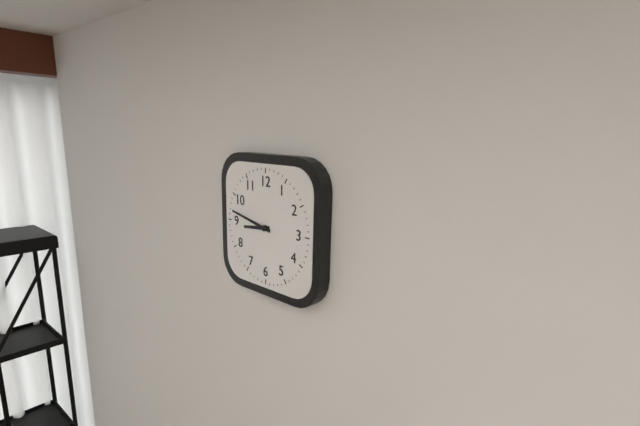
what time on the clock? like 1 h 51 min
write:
8 h 47 min
